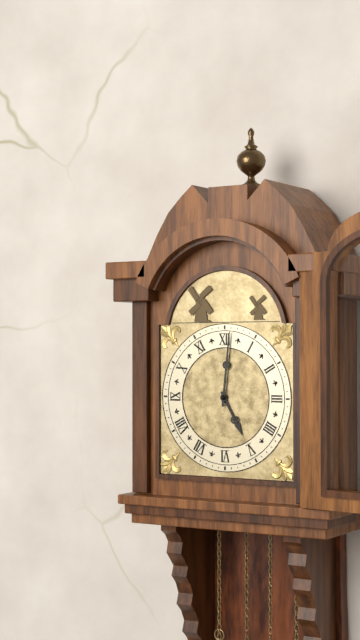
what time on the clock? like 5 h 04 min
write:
5 h 01 min
